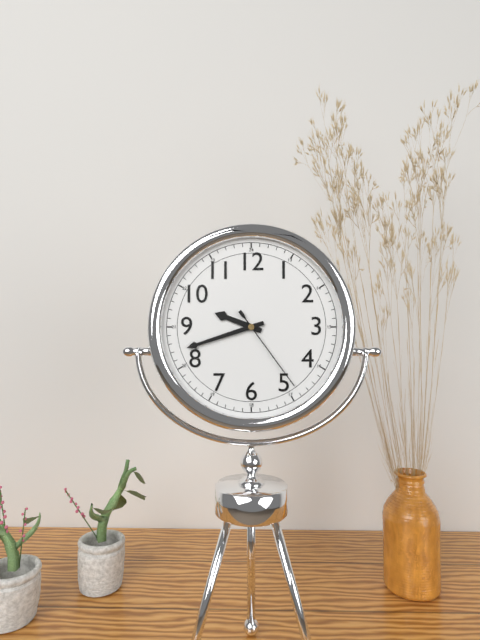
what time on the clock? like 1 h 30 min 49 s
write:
9 h 42 min 24 s
